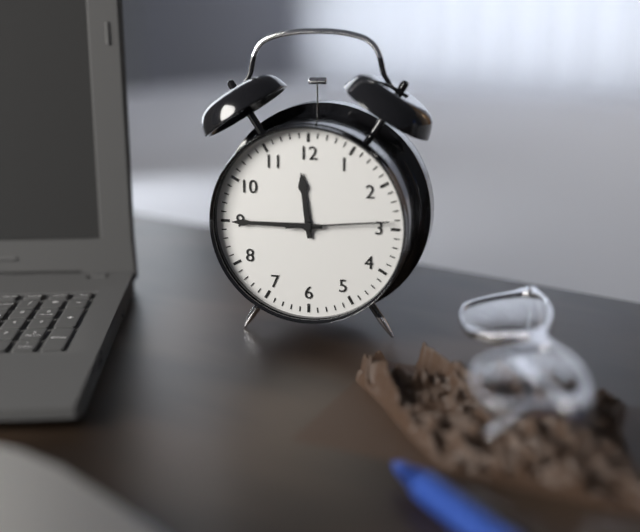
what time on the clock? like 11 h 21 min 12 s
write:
11 h 45 min 14 s
